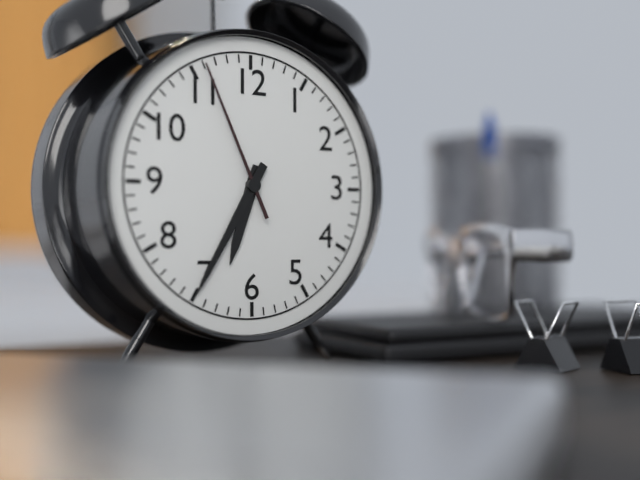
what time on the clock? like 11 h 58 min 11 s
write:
6 h 35 min 56 s
